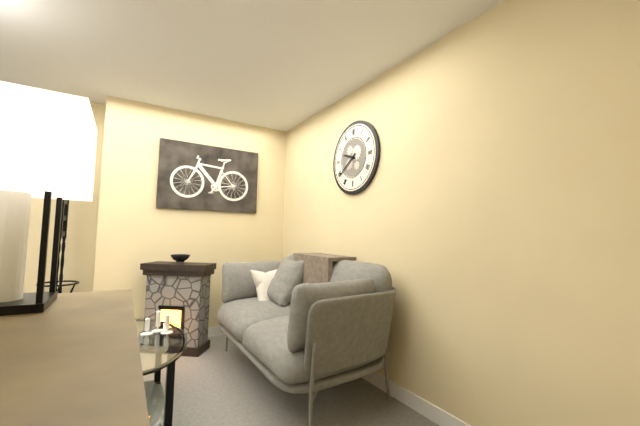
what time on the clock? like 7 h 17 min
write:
9 h 39 min
